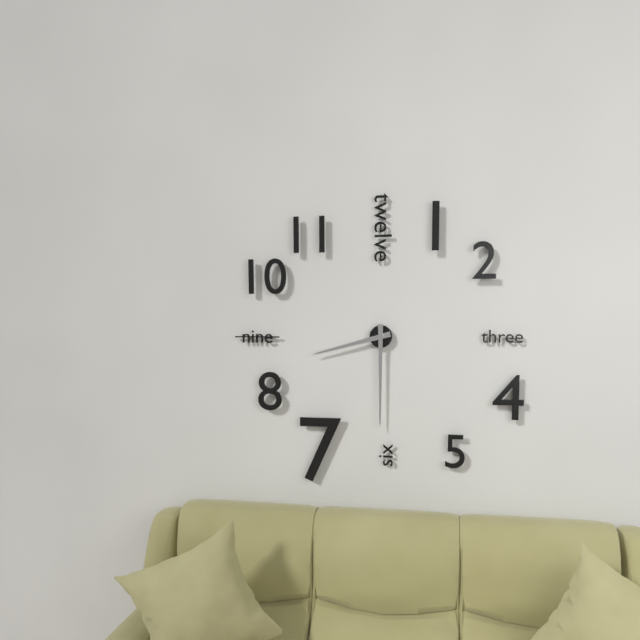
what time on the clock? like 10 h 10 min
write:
8 h 30 min
